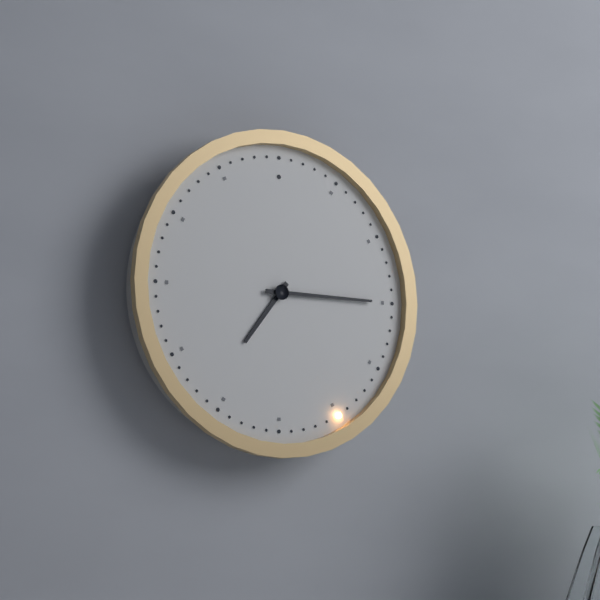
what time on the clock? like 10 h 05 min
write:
7 h 15 min
